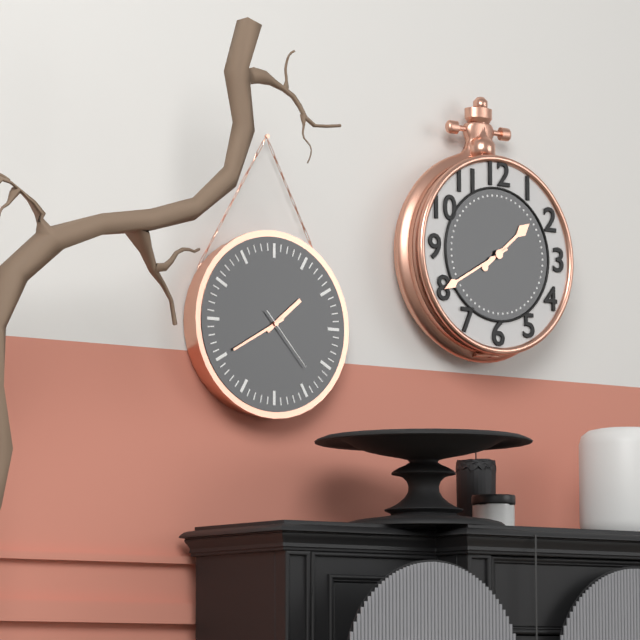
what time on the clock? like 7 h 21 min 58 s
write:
1 h 40 min 23 s
